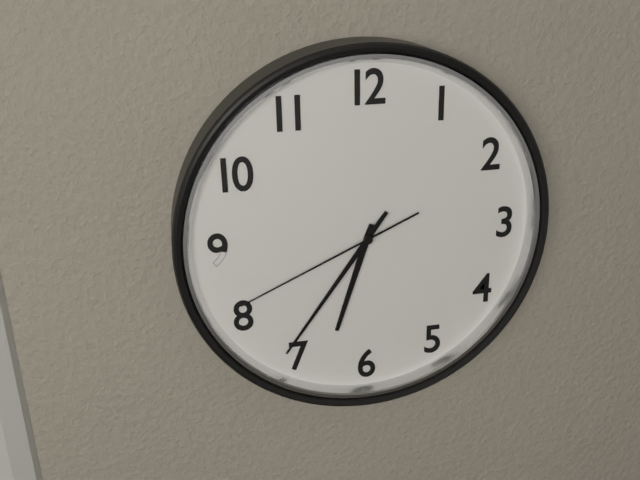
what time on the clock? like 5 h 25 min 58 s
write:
6 h 36 min 41 s
